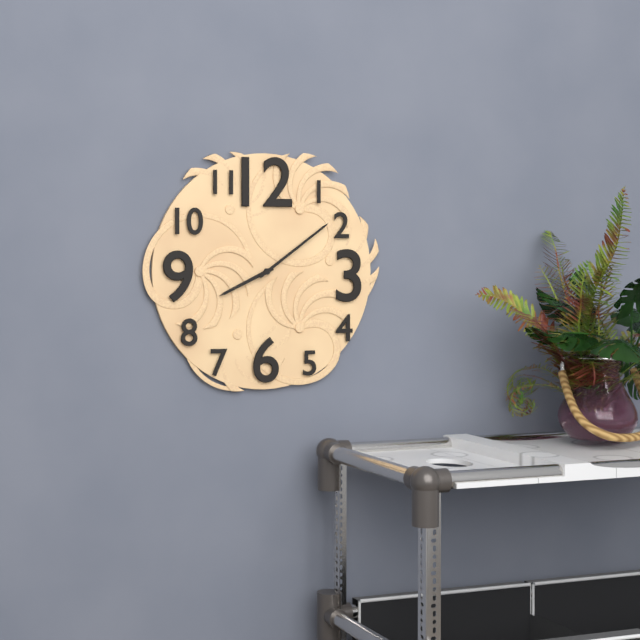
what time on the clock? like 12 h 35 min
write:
8 h 09 min
